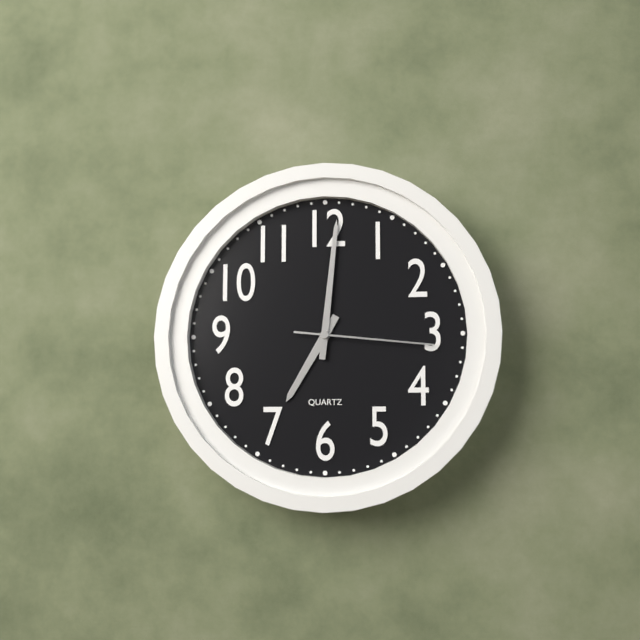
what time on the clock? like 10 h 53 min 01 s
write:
7 h 01 min 16 s
